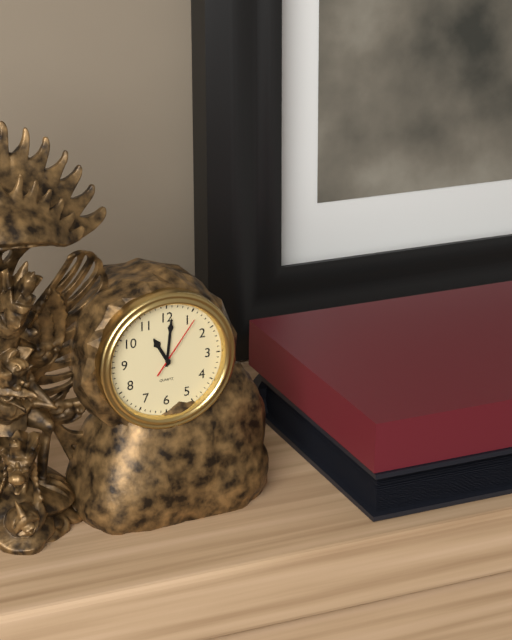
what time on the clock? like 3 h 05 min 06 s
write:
11 h 01 min 06 s
